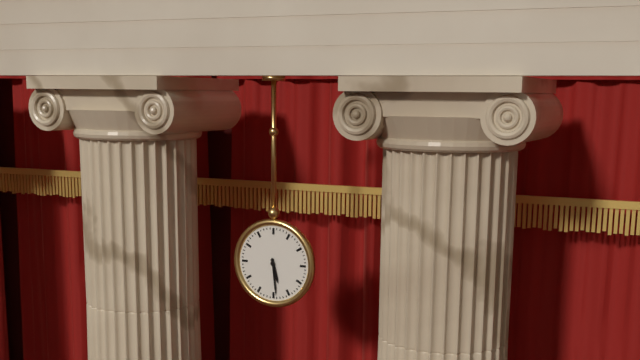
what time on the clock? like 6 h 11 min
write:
5 h 29 min
